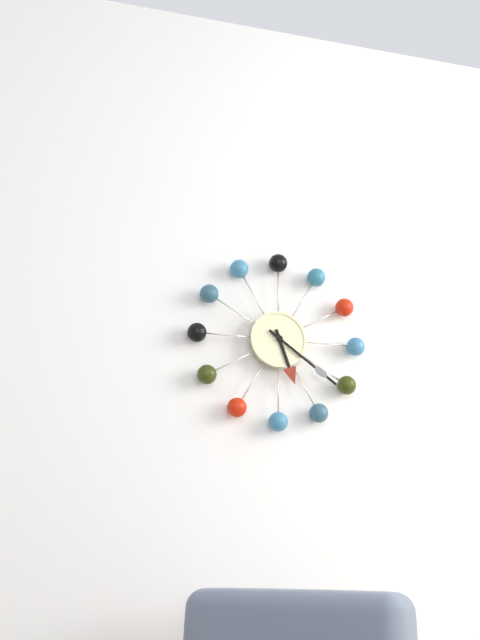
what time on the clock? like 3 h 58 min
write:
5 h 21 min
